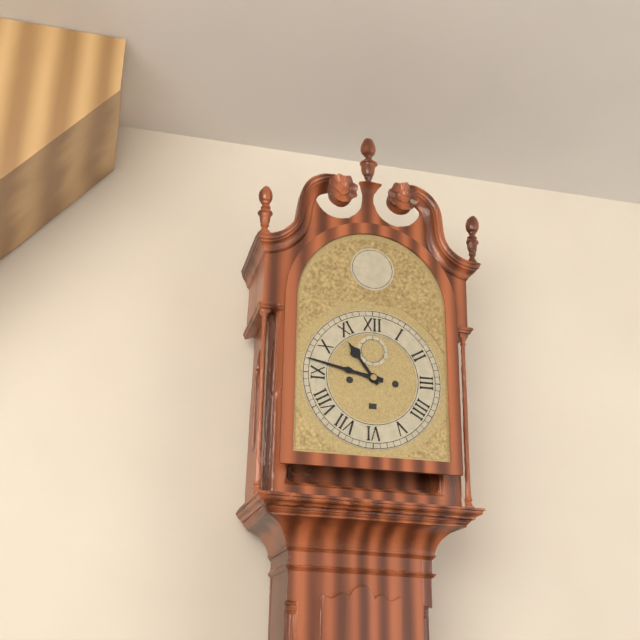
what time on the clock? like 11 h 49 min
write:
10 h 47 min
